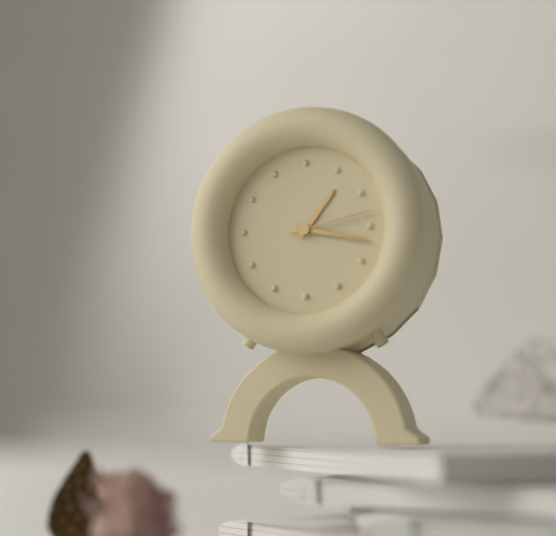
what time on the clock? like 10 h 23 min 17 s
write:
1 h 17 min 13 s
